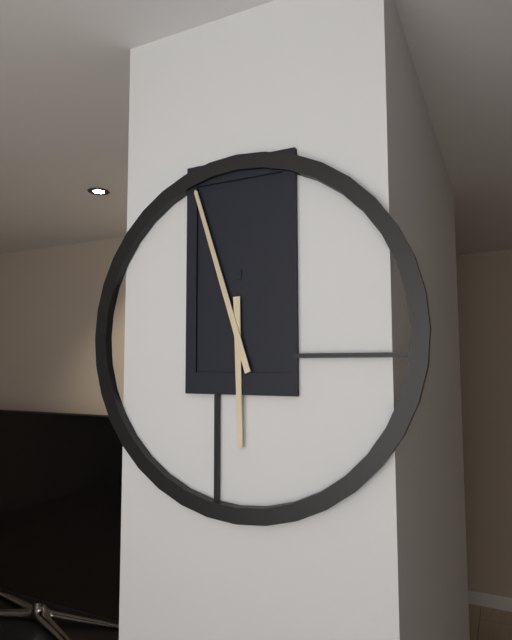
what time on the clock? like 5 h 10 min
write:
5 h 57 min
